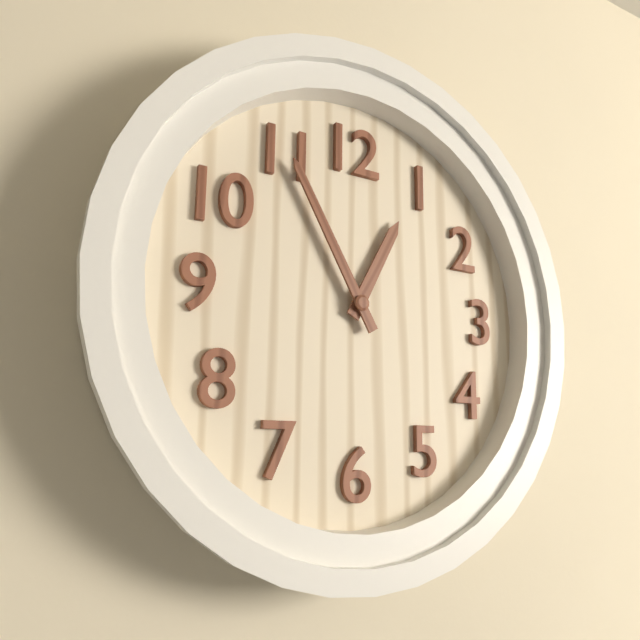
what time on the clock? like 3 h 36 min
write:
12 h 55 min
